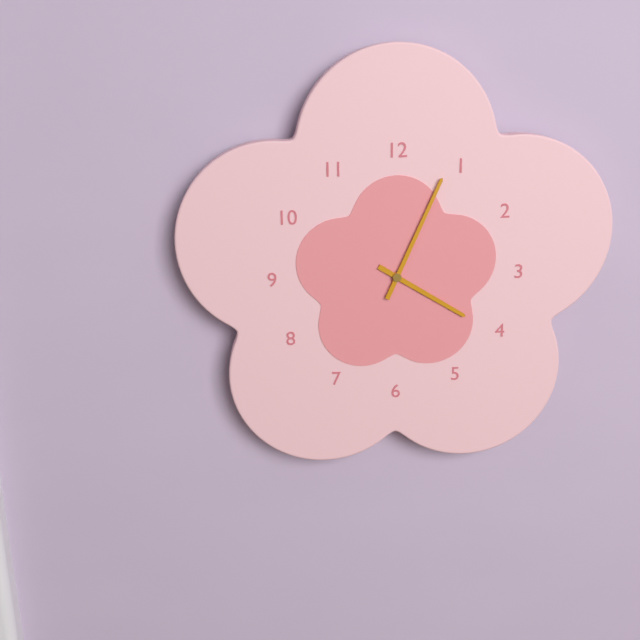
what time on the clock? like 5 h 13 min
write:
4 h 04 min
